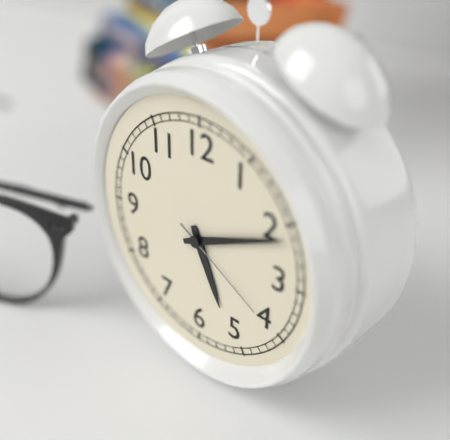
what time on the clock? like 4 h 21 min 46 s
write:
5 h 11 min 20 s
